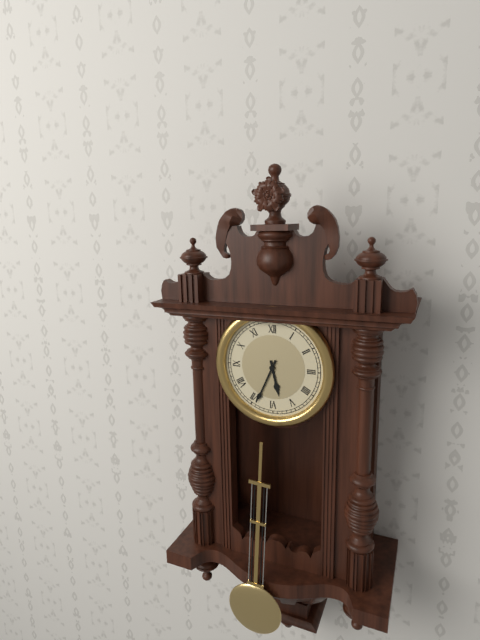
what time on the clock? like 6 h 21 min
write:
5 h 34 min
